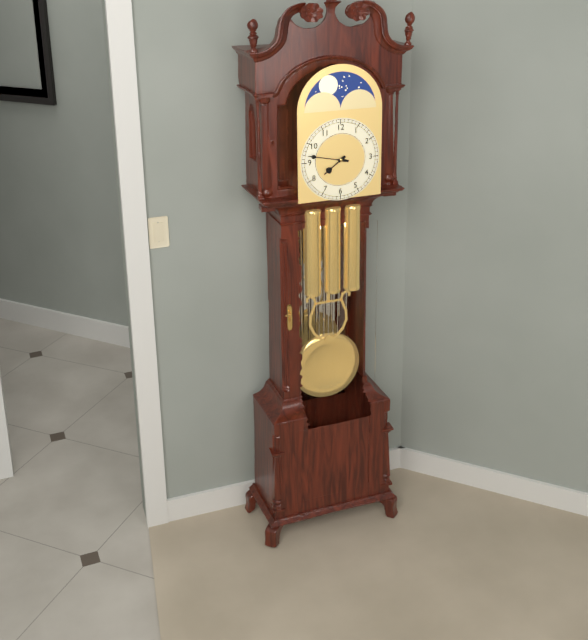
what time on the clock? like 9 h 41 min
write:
7 h 47 min
